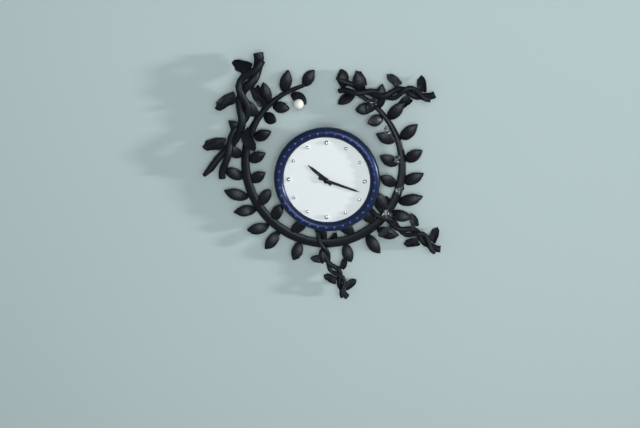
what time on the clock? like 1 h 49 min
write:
10 h 18 min
